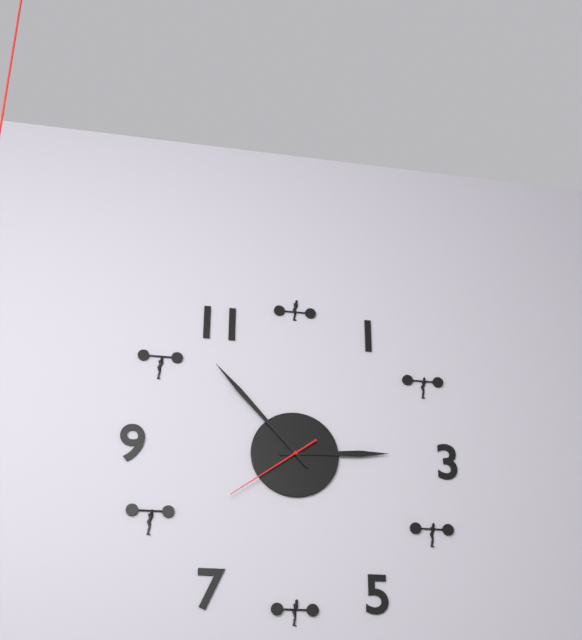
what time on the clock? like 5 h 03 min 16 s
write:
2 h 53 min 39 s
